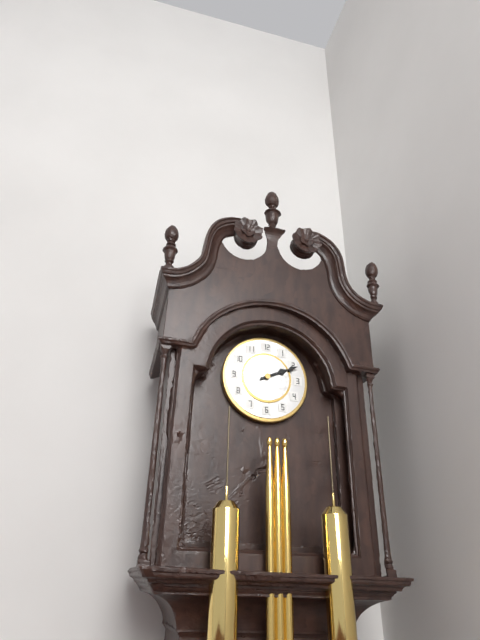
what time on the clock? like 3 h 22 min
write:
2 h 11 min
